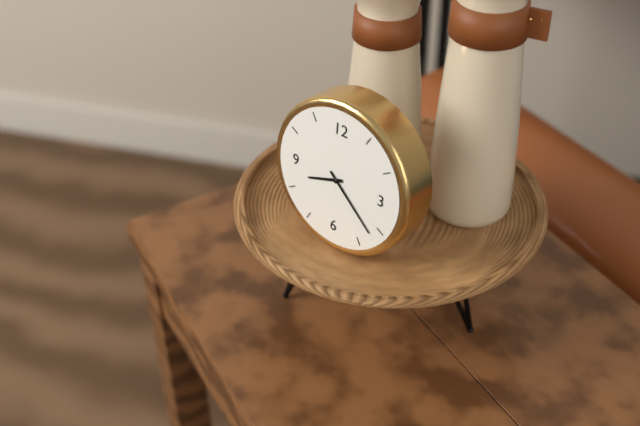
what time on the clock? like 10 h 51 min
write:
8 h 22 min
